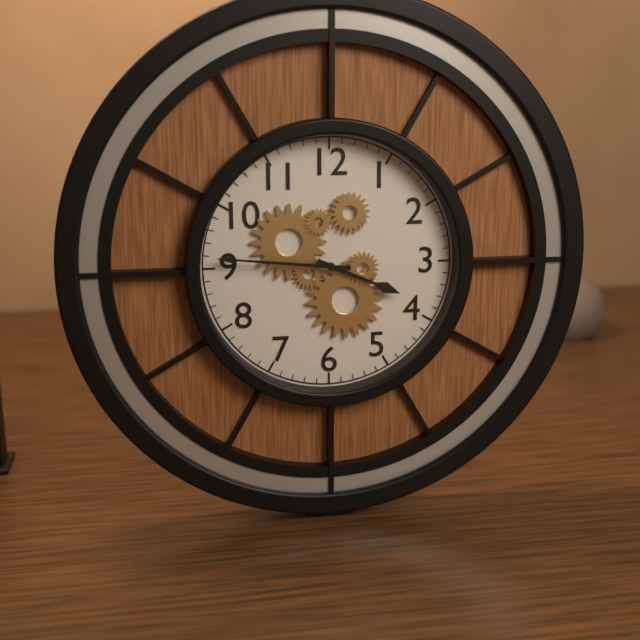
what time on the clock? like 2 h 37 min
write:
3 h 46 min
